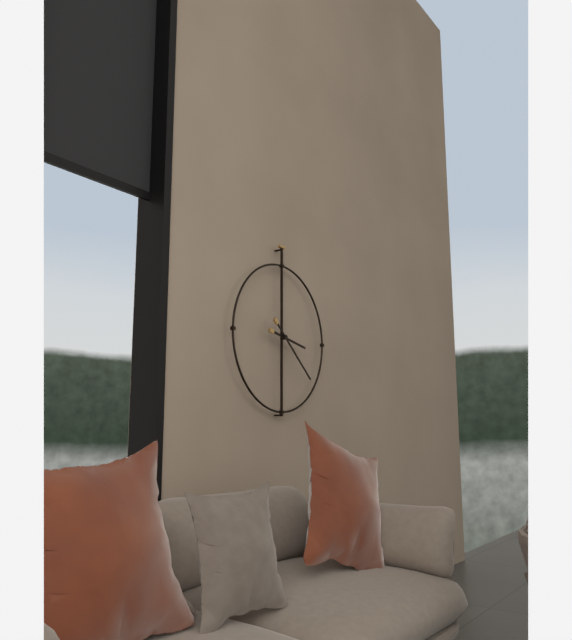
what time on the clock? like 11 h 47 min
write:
3 h 22 min
